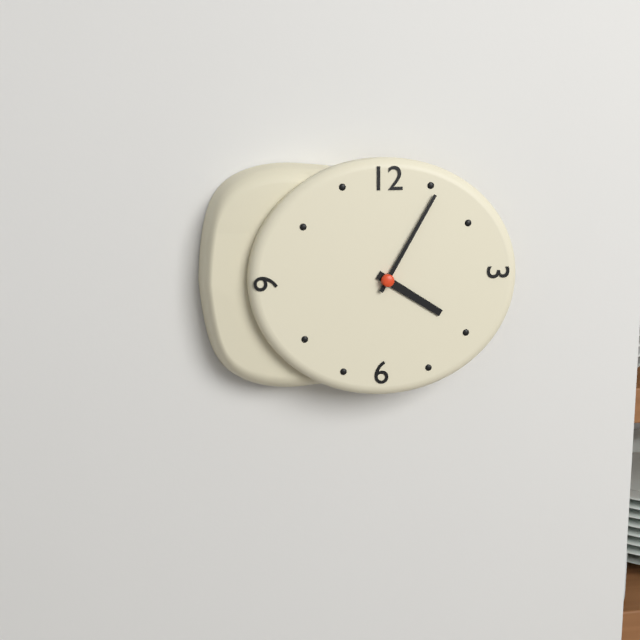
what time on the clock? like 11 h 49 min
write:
4 h 05 min
